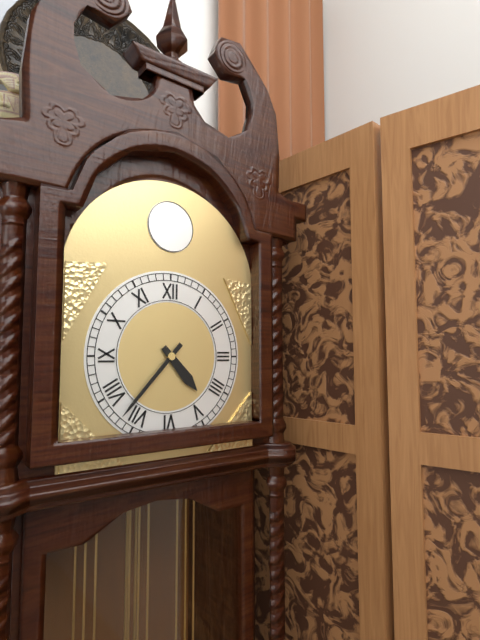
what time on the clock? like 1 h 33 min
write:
4 h 37 min
